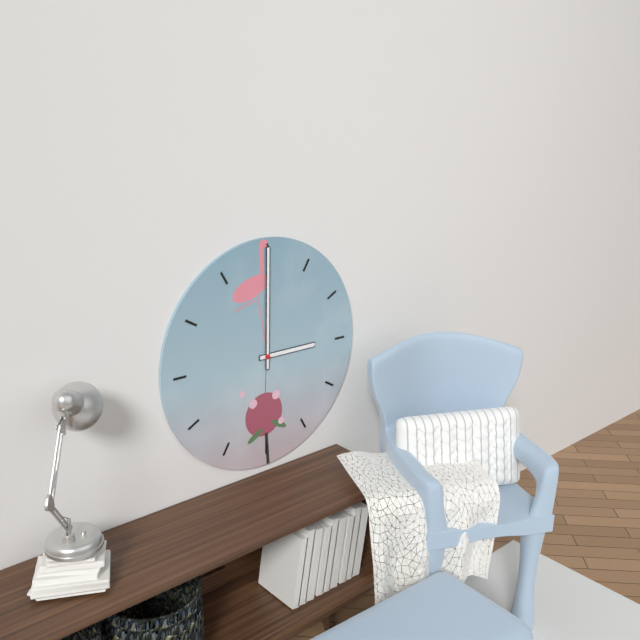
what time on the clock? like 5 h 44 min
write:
3 h 00 min
